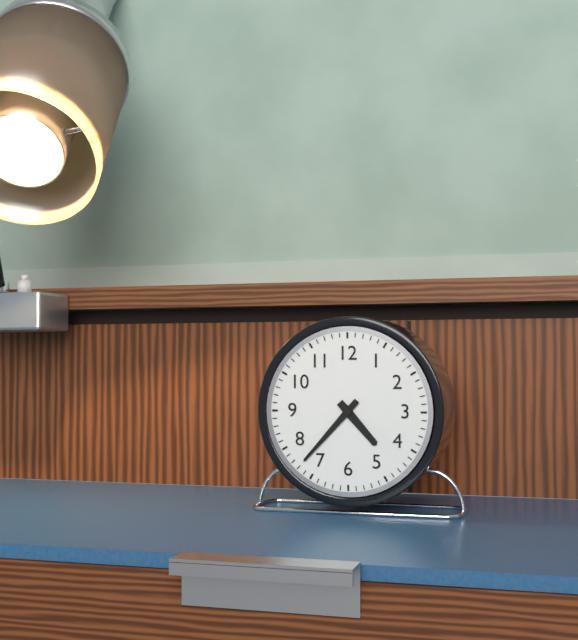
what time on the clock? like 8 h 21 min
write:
4 h 37 min
